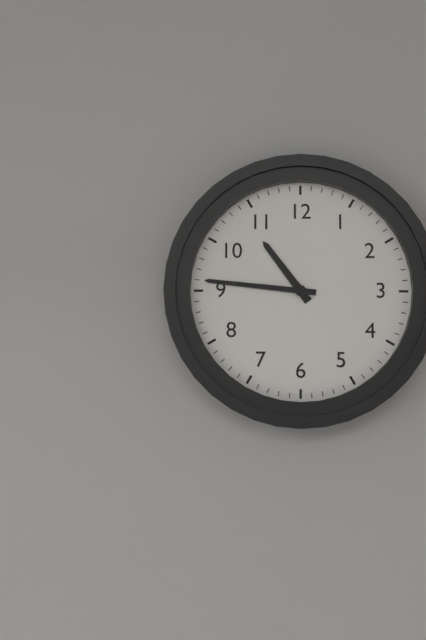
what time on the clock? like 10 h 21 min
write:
10 h 46 min
